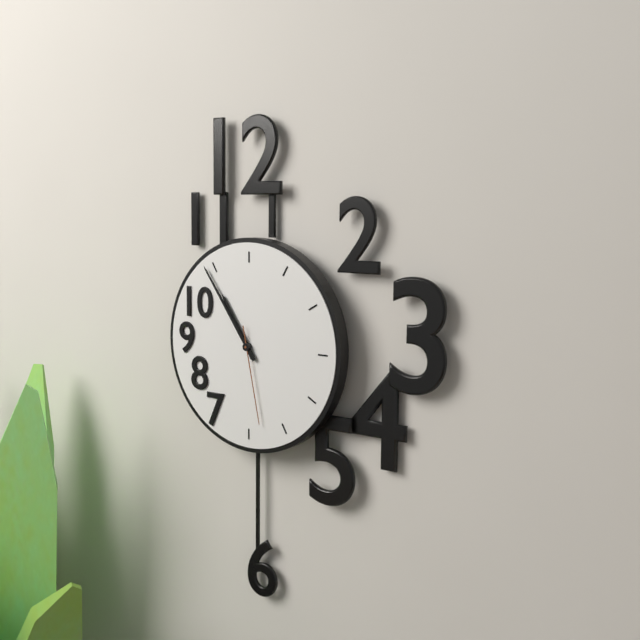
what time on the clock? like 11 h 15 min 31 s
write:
10 h 54 min 28 s
